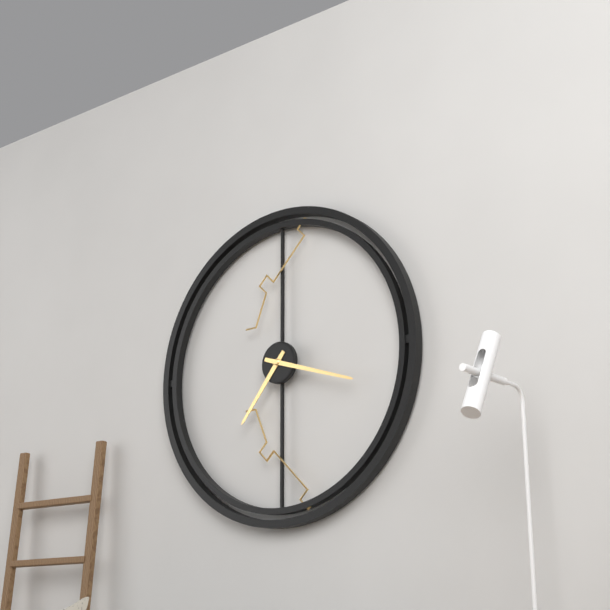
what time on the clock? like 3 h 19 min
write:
7 h 18 min
